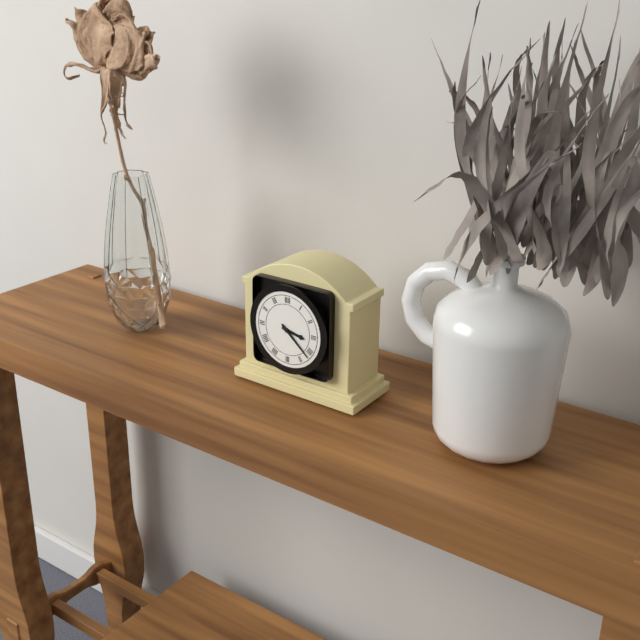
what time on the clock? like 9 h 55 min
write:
3 h 22 min
